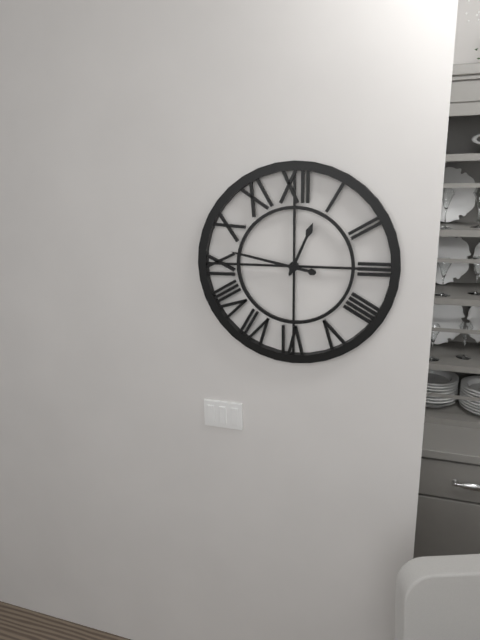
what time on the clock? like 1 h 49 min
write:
12 h 47 min
